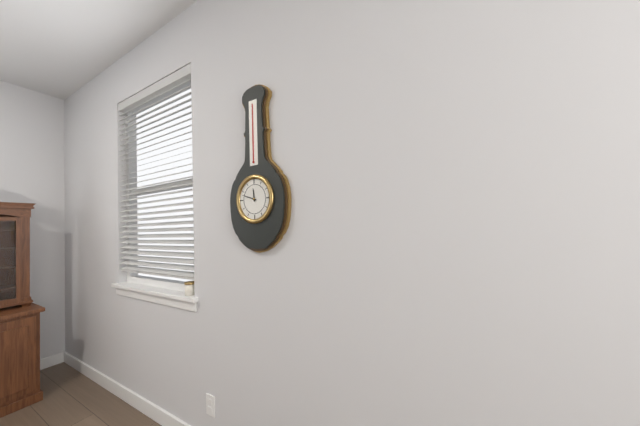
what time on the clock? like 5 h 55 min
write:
11 h 48 min
